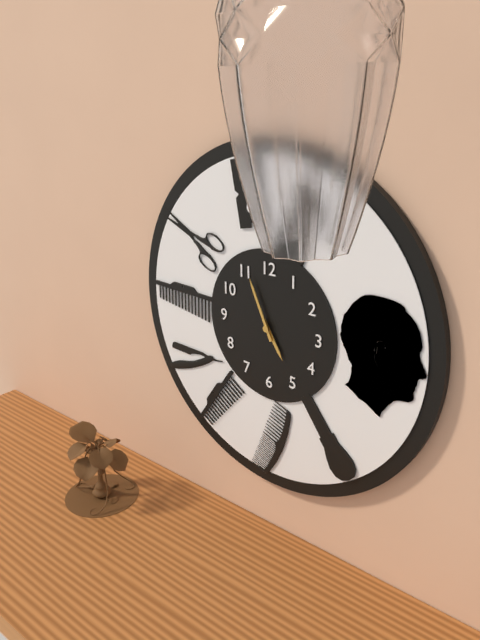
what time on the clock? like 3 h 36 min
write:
4 h 56 min
